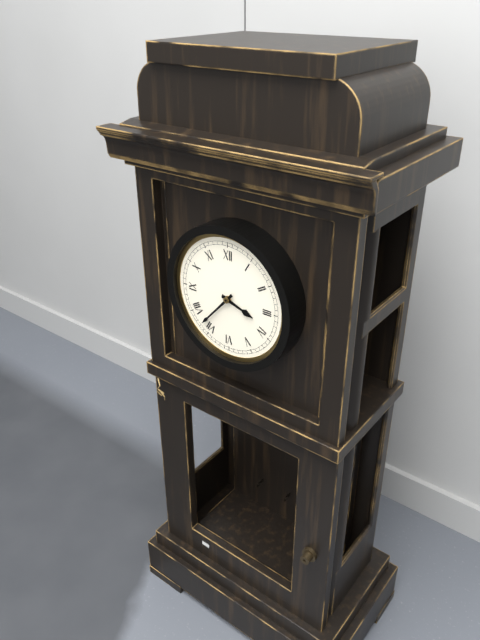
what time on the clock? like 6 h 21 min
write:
3 h 37 min
